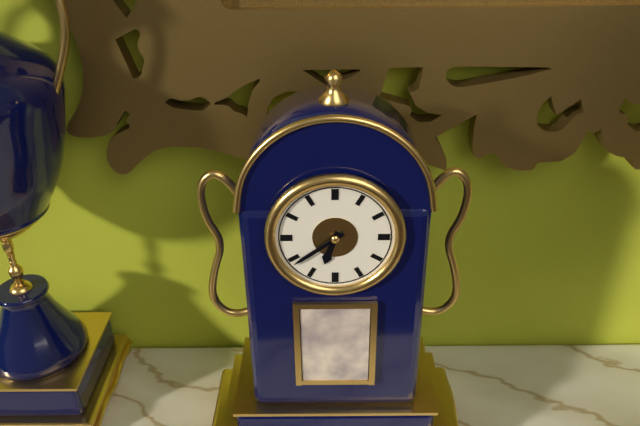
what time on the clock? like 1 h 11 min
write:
6 h 39 min
